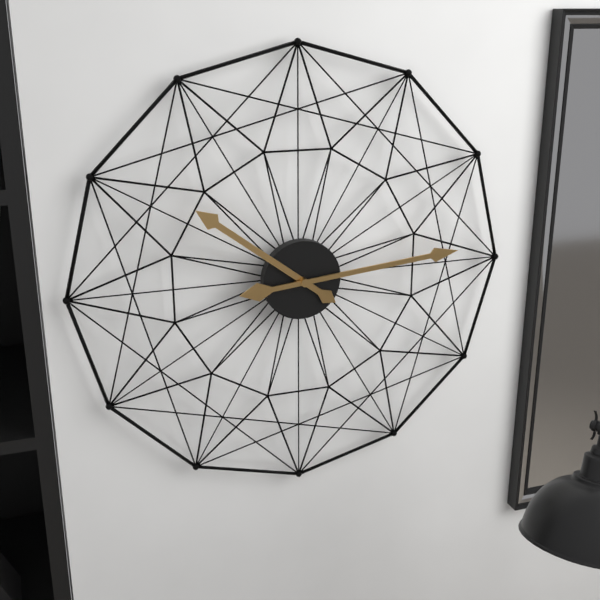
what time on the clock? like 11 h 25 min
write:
10 h 14 min
